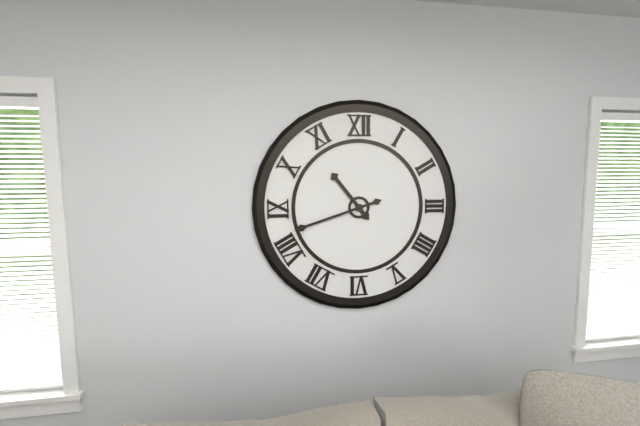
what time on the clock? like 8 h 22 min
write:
10 h 42 min
